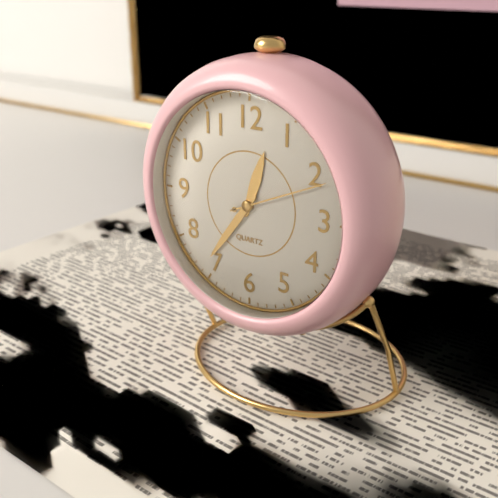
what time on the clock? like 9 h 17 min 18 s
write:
12 h 36 min 11 s
